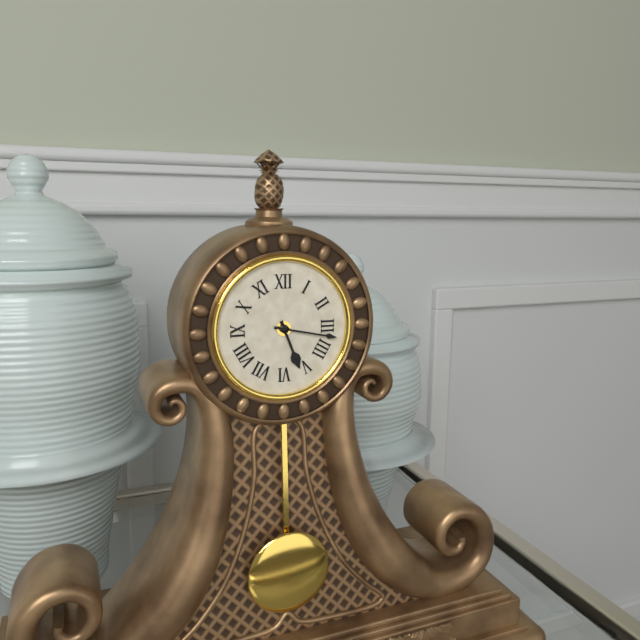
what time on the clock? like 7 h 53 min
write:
5 h 17 min
